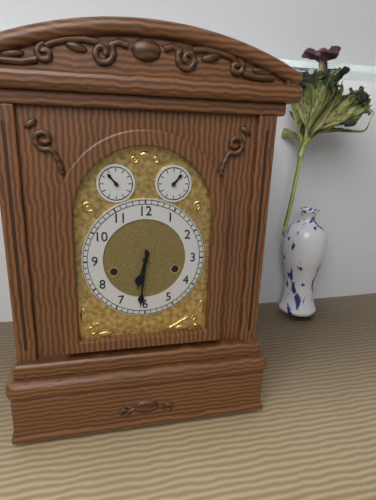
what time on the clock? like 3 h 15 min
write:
6 h 31 min
